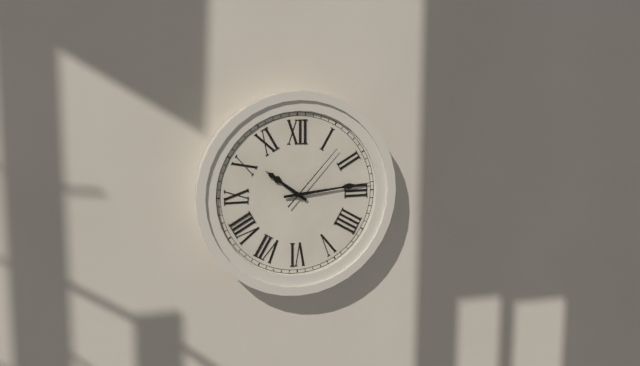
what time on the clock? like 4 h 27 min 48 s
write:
10 h 14 min 07 s
